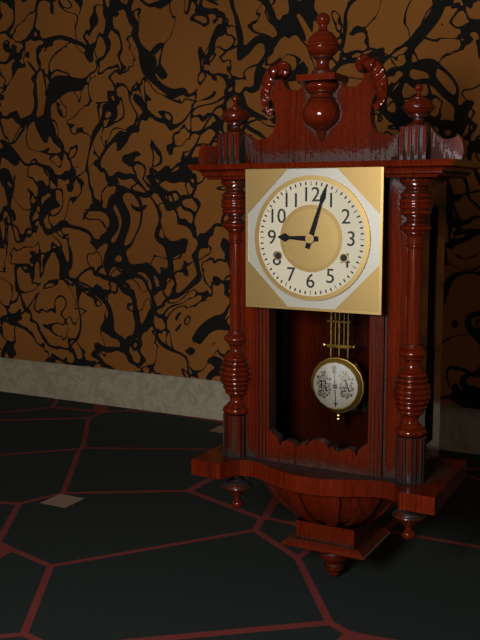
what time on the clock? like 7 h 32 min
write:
9 h 03 min
